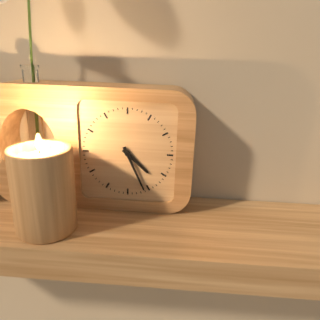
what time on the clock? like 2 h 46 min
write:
4 h 26 min
